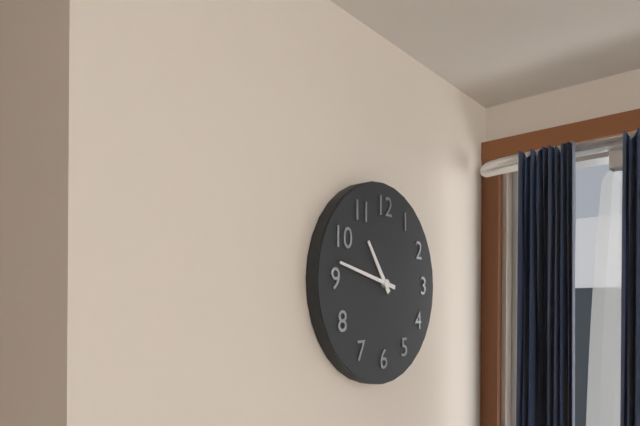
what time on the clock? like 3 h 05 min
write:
10 h 47 min
